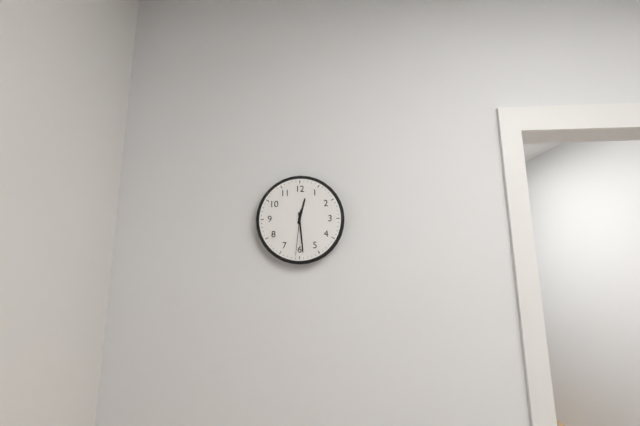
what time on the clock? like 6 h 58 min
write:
12 h 29 min
